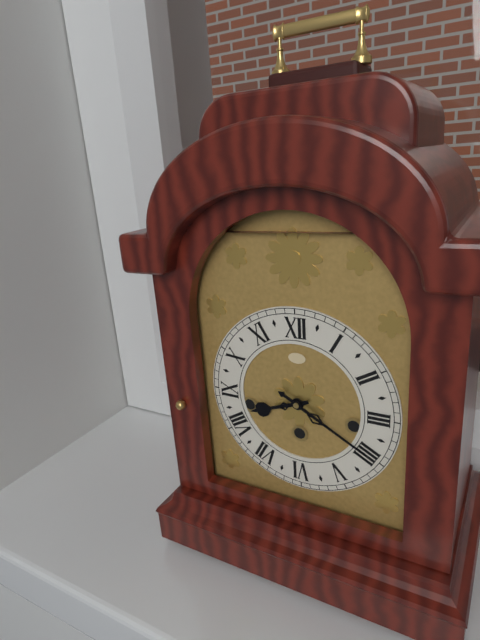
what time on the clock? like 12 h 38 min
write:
8 h 20 min
